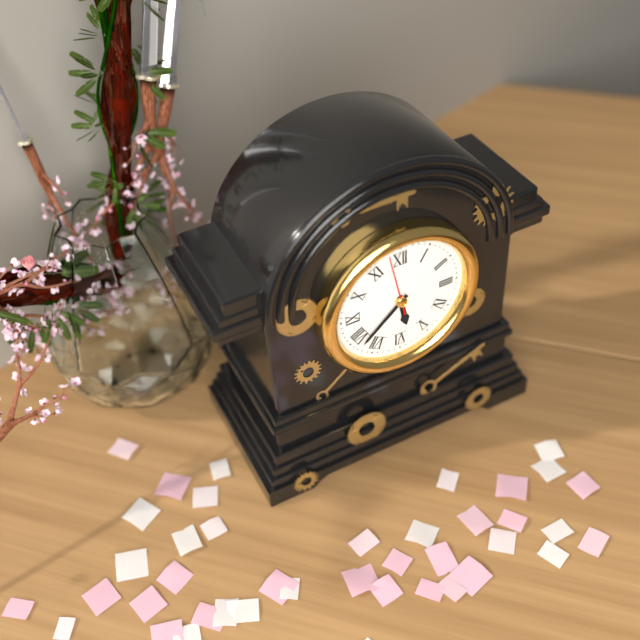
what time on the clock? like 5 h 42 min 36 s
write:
5 h 38 min 58 s
